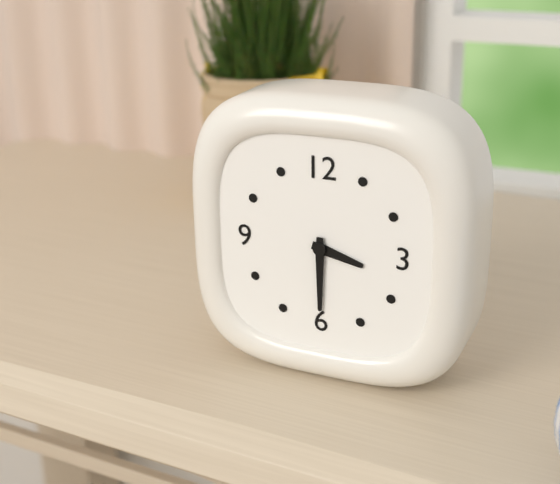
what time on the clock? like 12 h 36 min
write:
3 h 30 min
